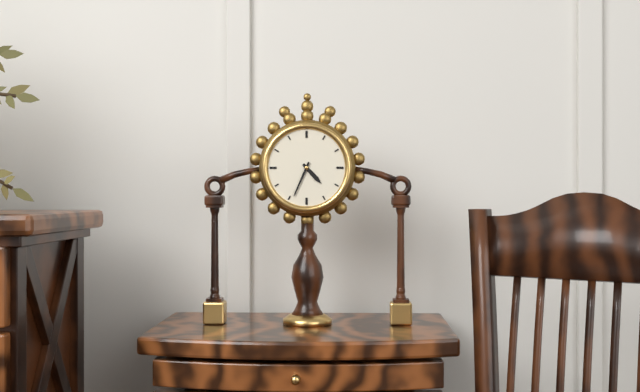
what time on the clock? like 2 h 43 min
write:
4 h 34 min
